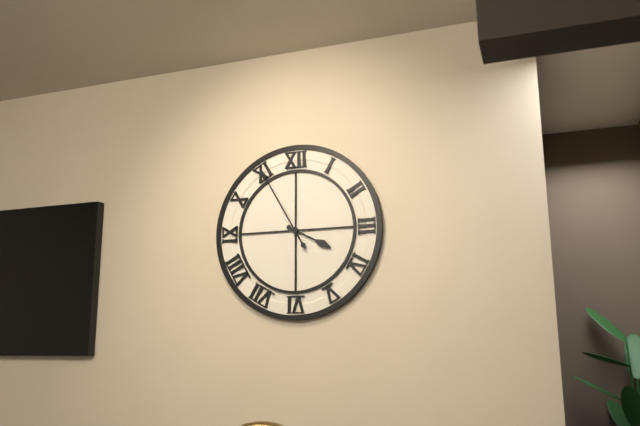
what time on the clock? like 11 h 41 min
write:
3 h 55 min
